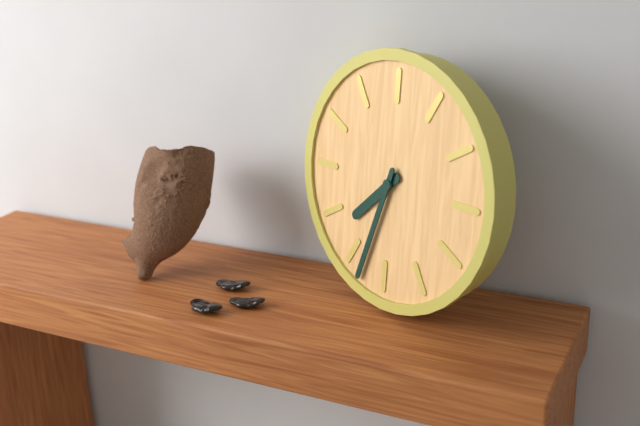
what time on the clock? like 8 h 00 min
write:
7 h 33 min
